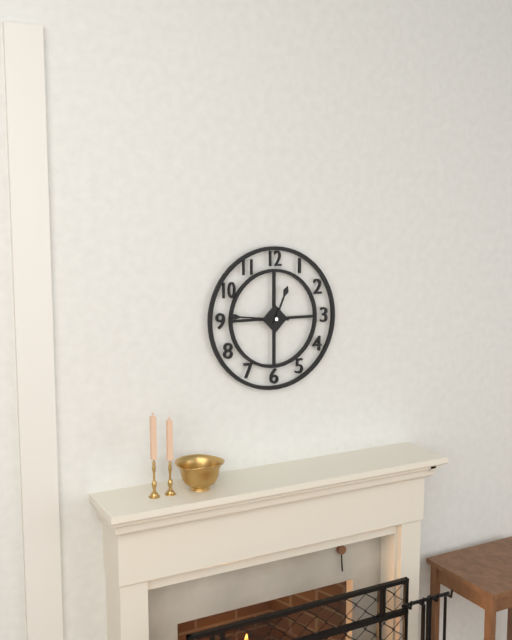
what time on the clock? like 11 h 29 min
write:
12 h 46 min
